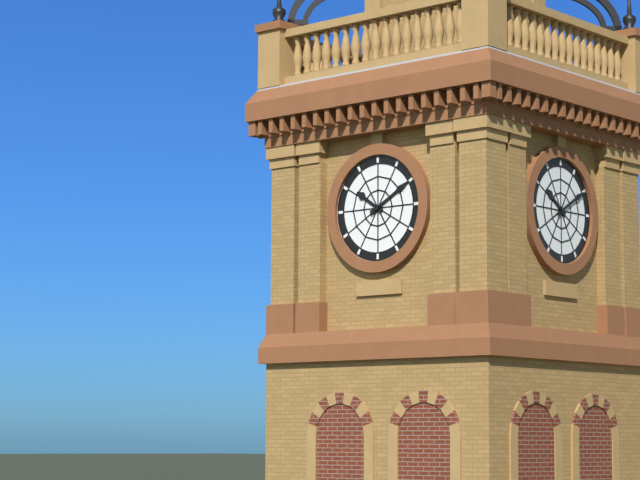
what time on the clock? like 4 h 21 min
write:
10 h 10 min
